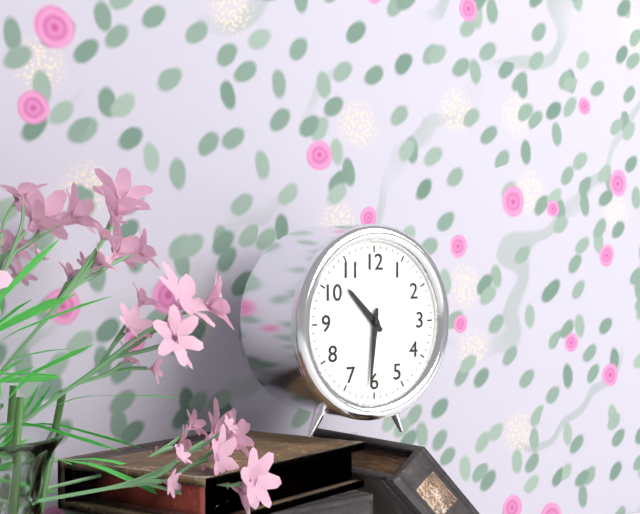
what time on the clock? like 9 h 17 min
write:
10 h 31 min
